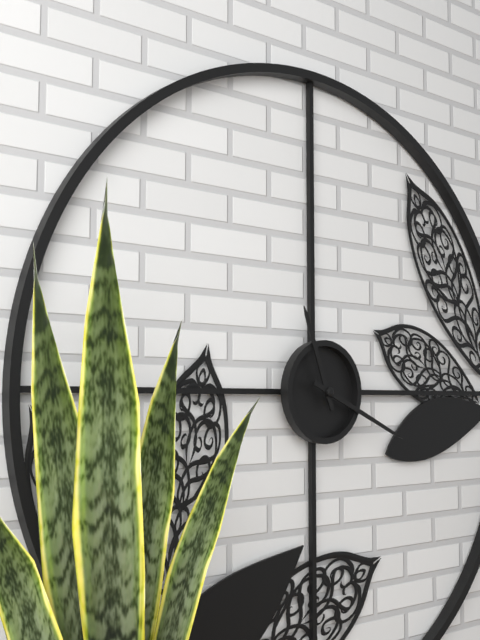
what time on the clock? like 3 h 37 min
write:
11 h 19 min
